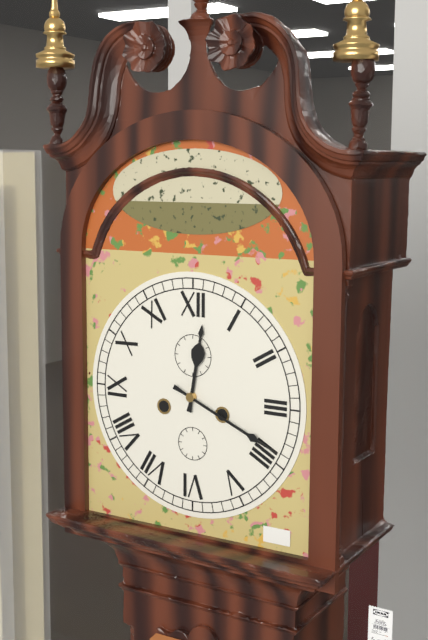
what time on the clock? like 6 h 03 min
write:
12 h 19 min
